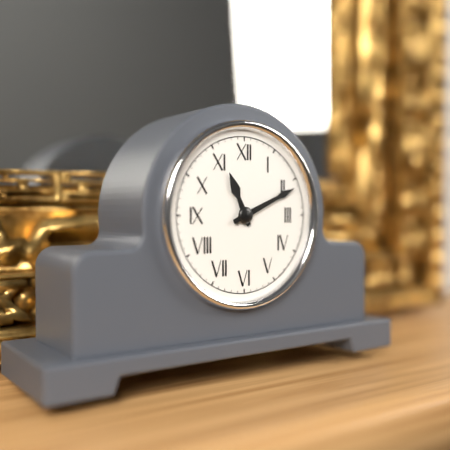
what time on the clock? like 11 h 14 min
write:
11 h 11 min
